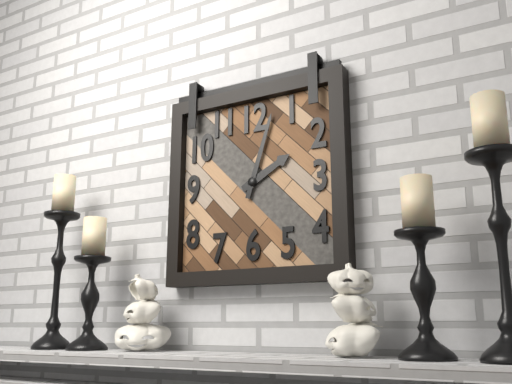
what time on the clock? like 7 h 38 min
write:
2 h 03 min
